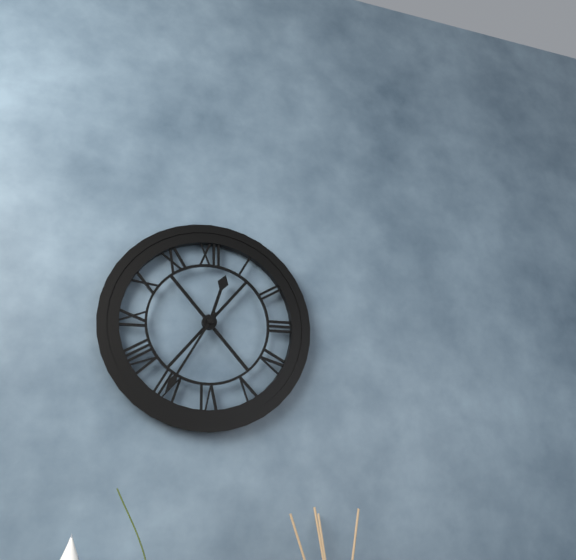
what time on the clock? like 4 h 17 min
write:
12 h 35 min
